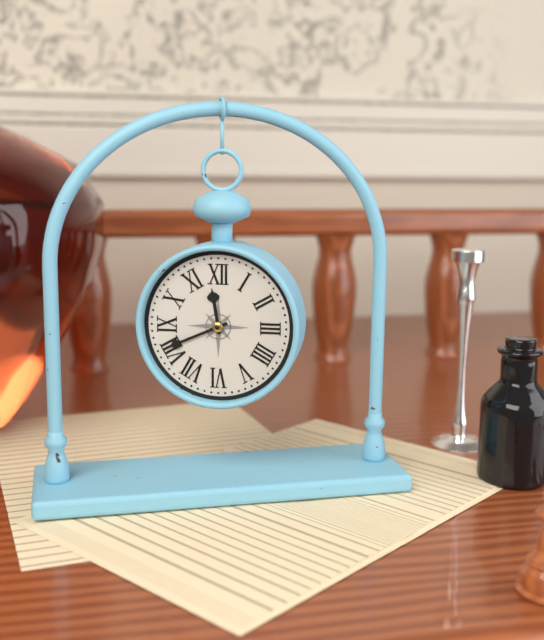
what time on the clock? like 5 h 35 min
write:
11 h 41 min
